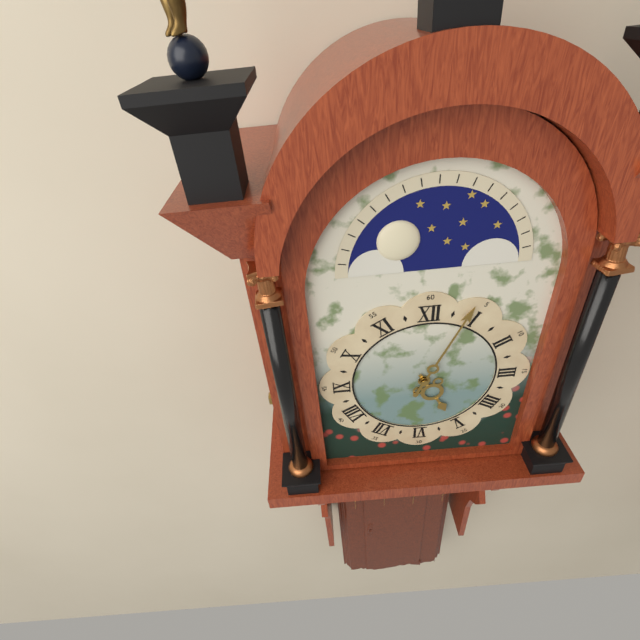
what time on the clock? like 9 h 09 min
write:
5 h 04 min
